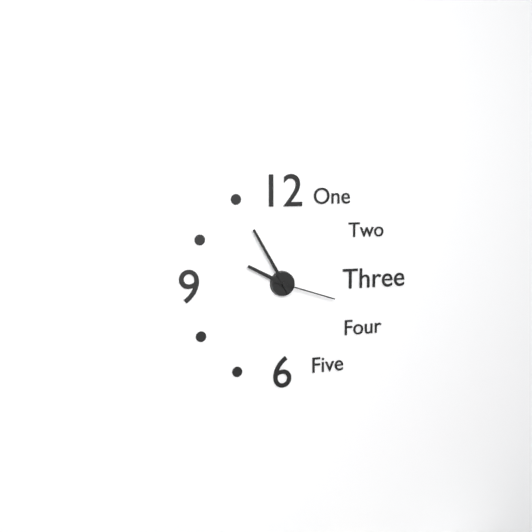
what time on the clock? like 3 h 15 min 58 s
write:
9 h 55 min 18 s
